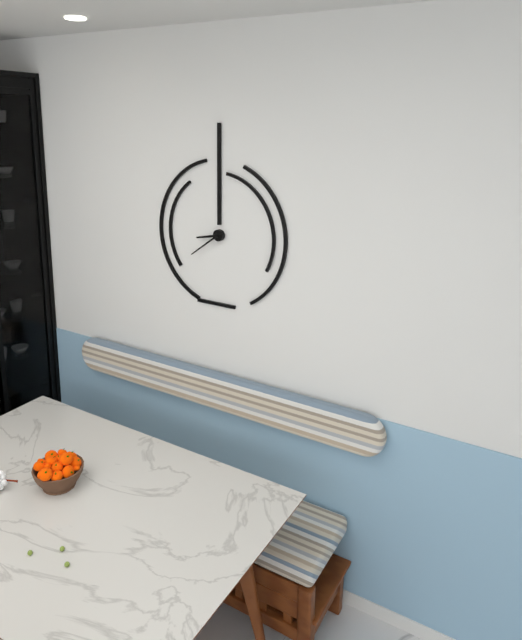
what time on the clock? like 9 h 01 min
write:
8 h 39 min
